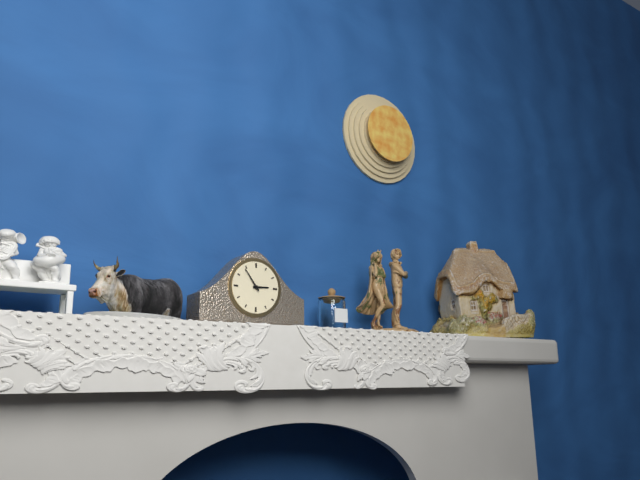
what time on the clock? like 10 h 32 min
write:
2 h 54 min
